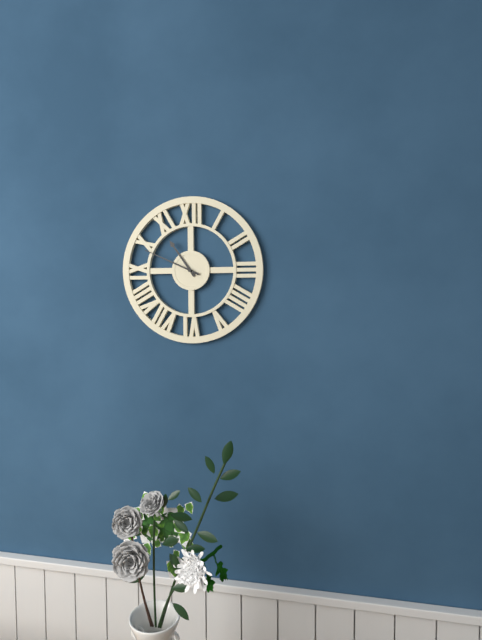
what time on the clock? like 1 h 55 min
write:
10 h 49 min
